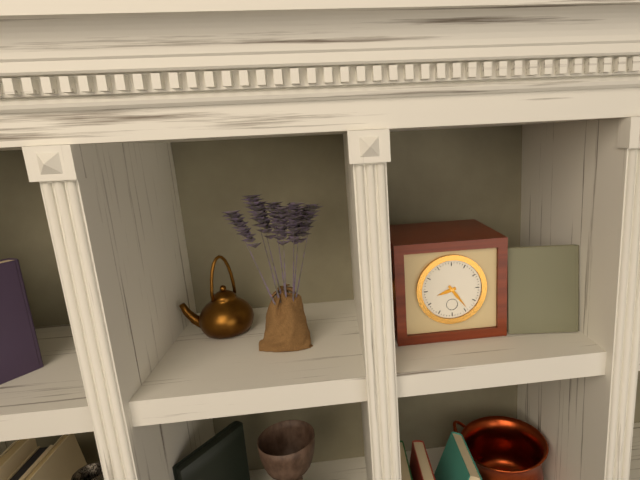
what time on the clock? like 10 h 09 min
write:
8 h 24 min
